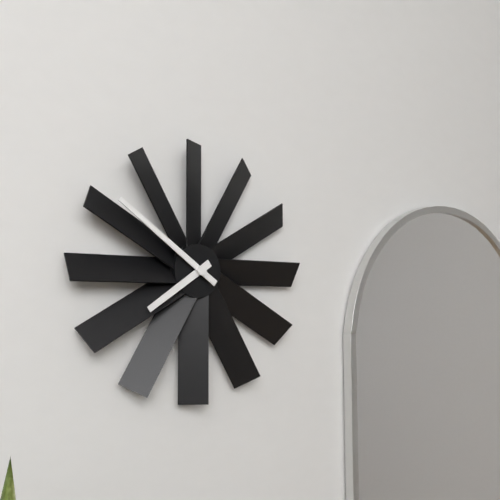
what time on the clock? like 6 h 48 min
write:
7 h 51 min
